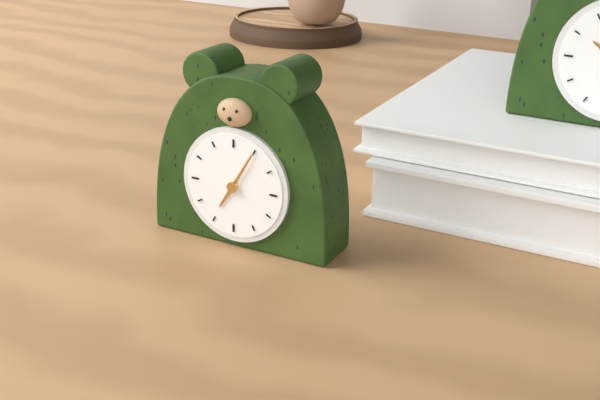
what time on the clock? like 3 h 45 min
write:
7 h 05 min
